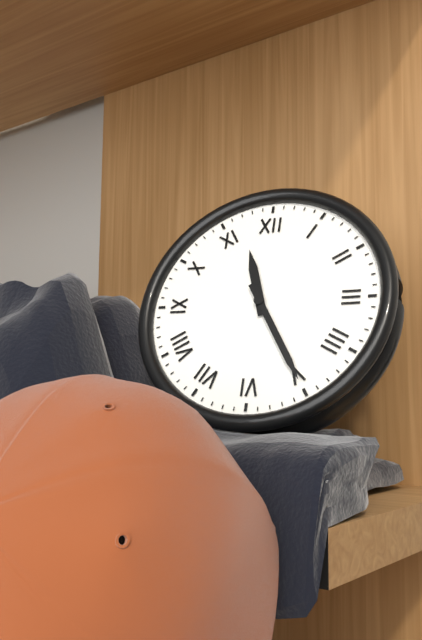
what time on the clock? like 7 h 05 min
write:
11 h 25 min
